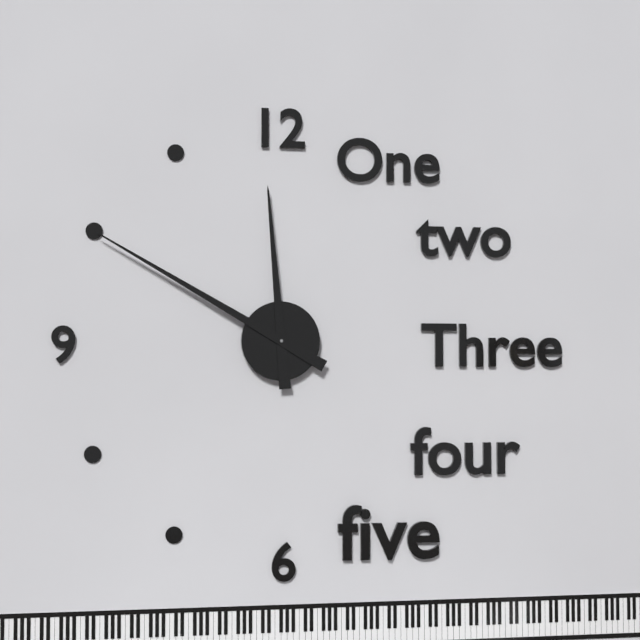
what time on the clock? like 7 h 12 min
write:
11 h 50 min
